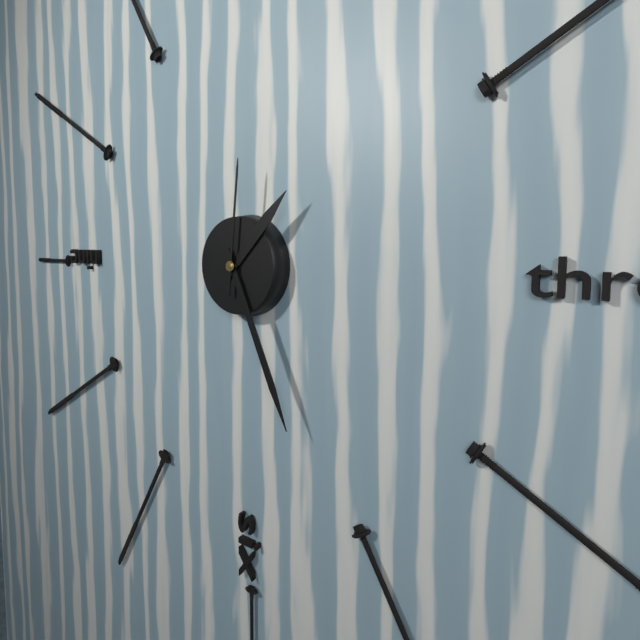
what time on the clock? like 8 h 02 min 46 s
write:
1 h 26 min 01 s
